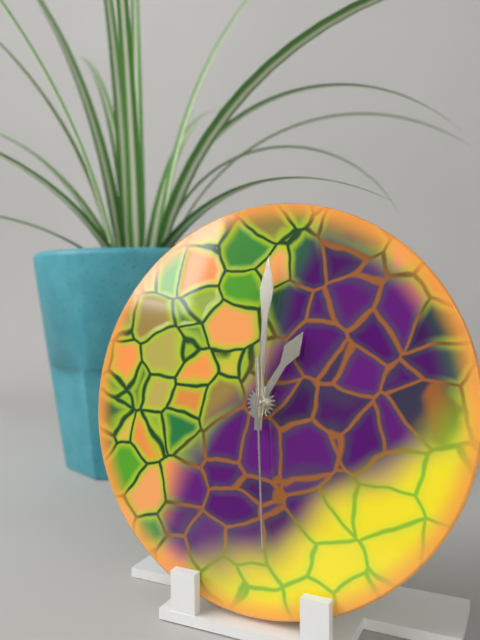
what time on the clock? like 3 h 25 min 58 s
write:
1 h 00 min 29 s
